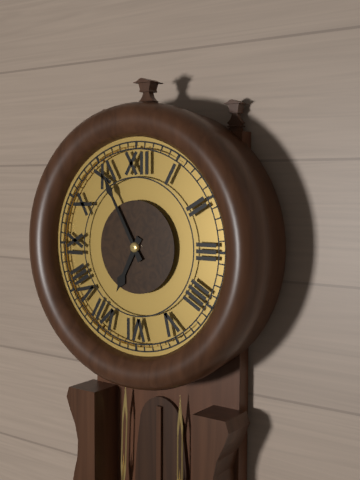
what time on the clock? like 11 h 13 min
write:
6 h 55 min
